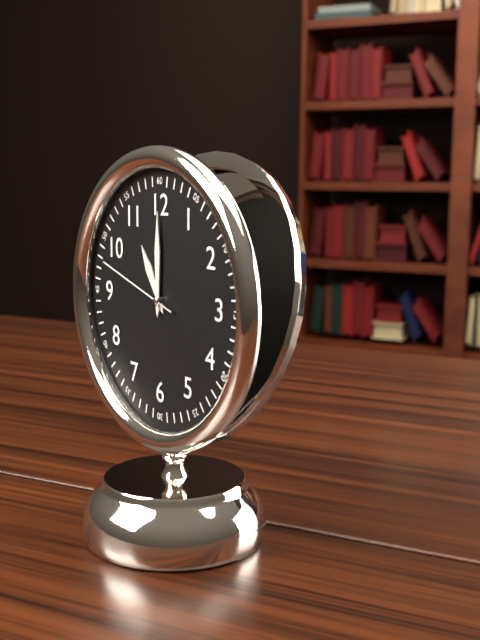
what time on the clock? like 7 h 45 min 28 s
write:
11 h 00 min 48 s
